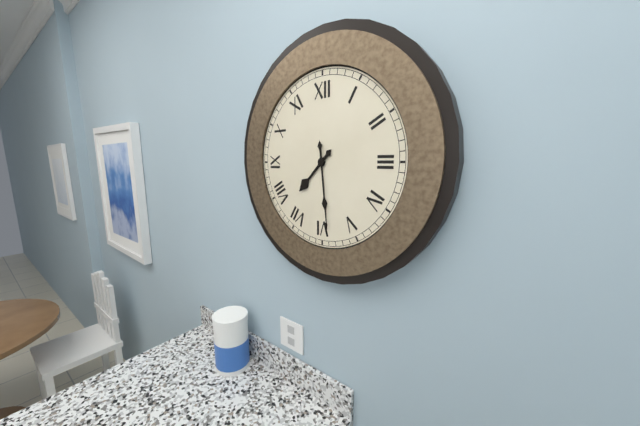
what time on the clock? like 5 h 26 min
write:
7 h 29 min
